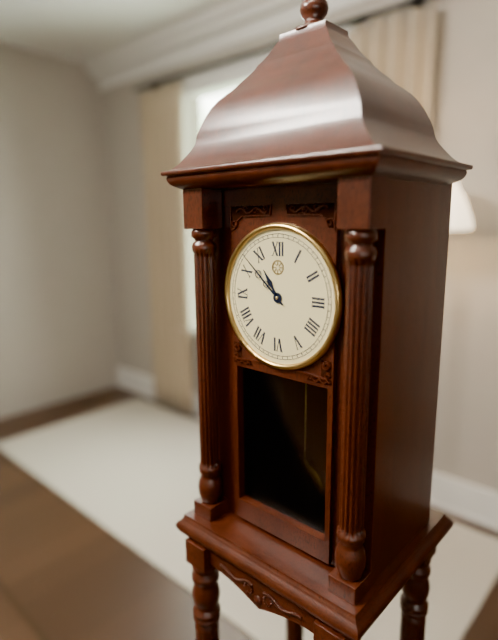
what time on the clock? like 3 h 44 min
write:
10 h 52 min
